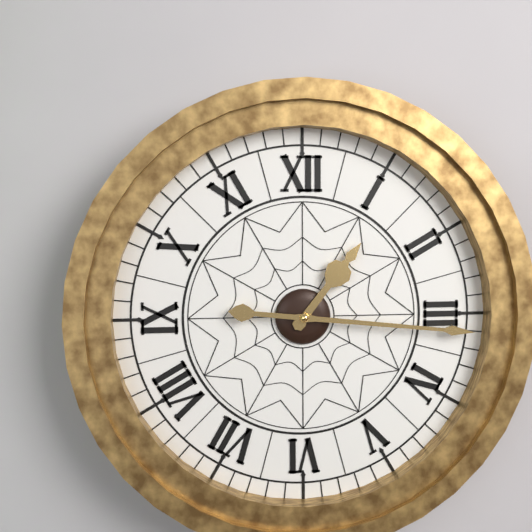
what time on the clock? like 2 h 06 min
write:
1 h 16 min
